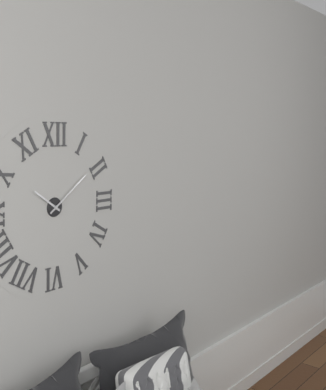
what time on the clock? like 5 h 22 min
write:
10 h 09 min
